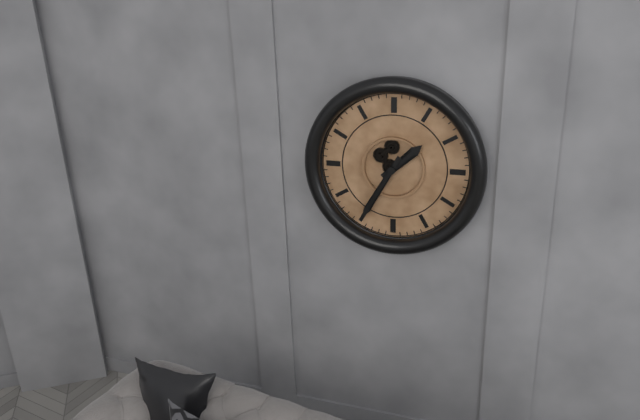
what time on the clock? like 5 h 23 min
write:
1 h 35 min
